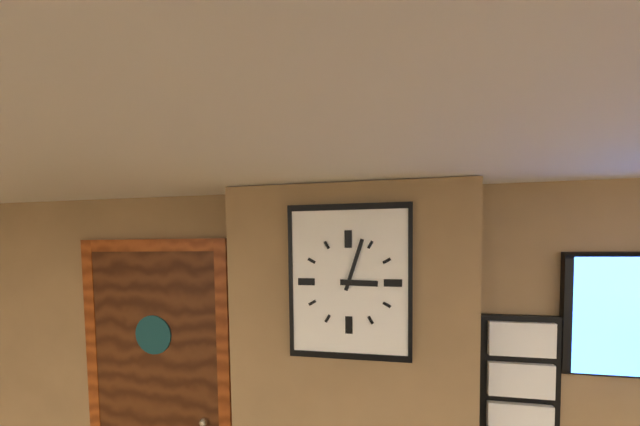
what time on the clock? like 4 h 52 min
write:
3 h 03 min
